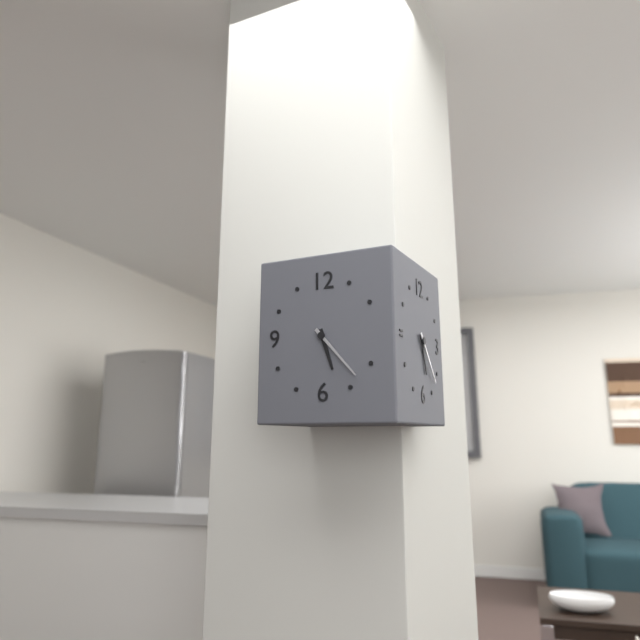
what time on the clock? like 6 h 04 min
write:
5 h 23 min
